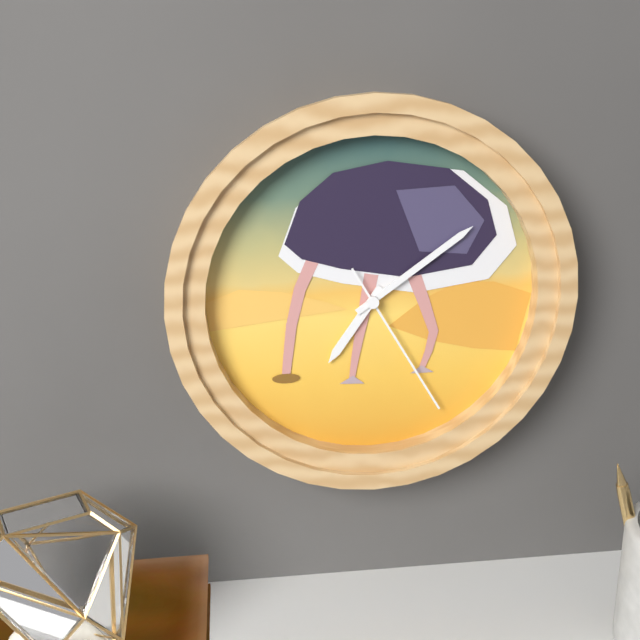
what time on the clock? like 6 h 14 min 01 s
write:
7 h 09 min 25 s
